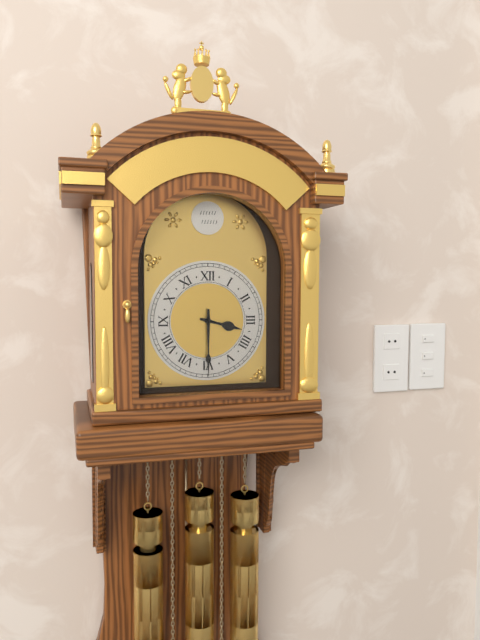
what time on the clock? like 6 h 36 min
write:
3 h 30 min
